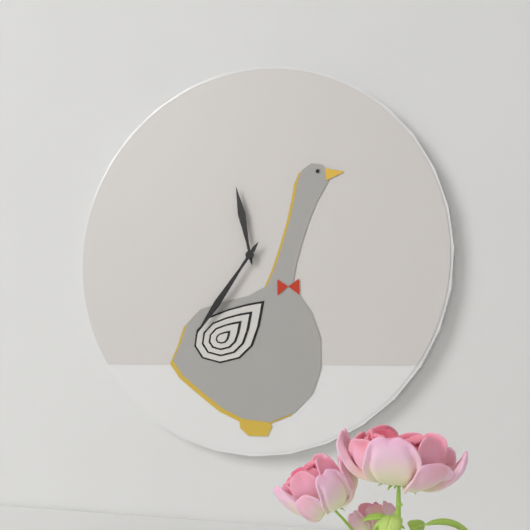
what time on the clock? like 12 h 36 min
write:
11 h 36 min
